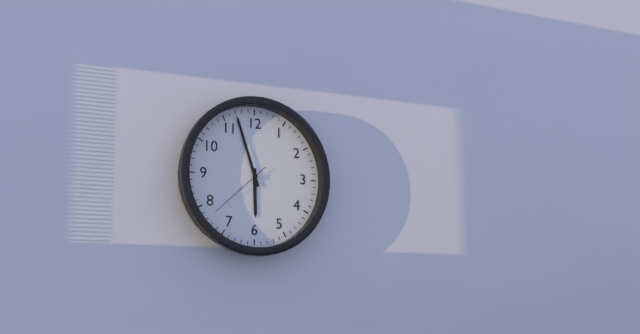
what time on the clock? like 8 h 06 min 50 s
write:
5 h 57 min 38 s
